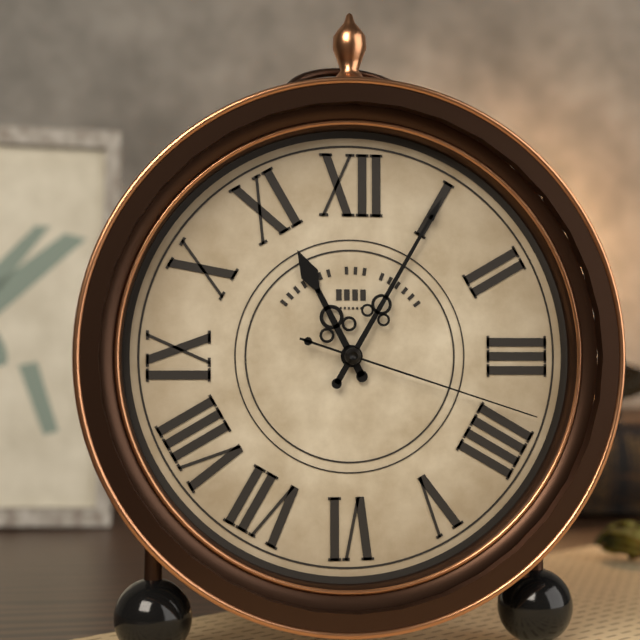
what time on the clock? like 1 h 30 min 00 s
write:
11 h 05 min 18 s
